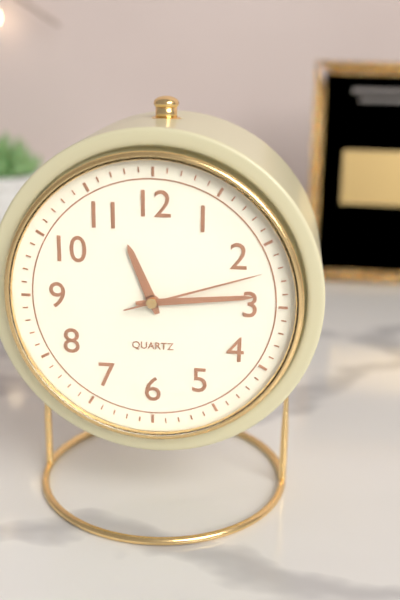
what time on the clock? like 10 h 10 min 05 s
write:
11 h 14 min 12 s
